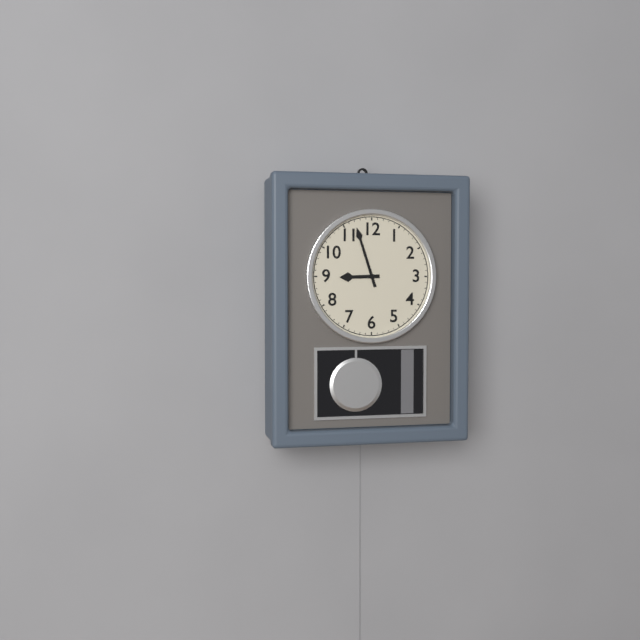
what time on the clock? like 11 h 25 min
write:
8 h 57 min
